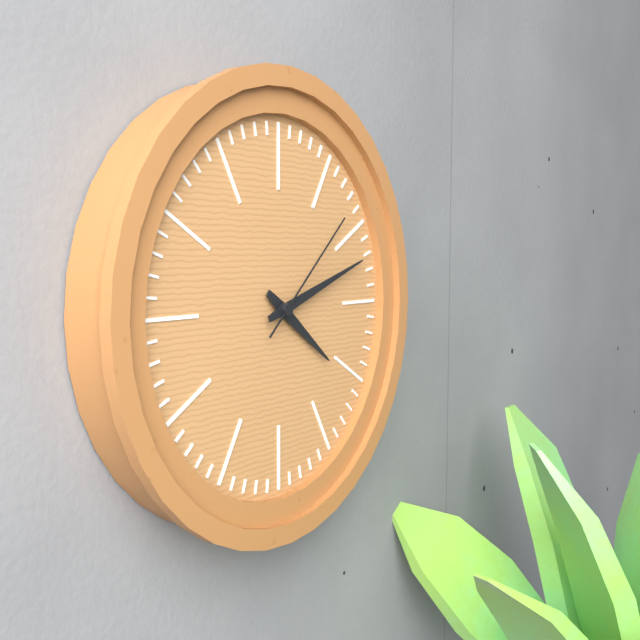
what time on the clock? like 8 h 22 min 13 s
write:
4 h 12 min 08 s
